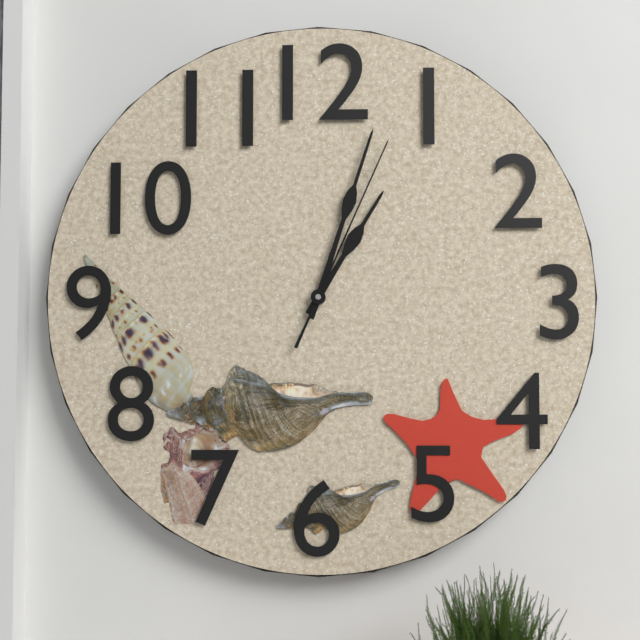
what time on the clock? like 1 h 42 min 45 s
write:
1 h 03 min 04 s
